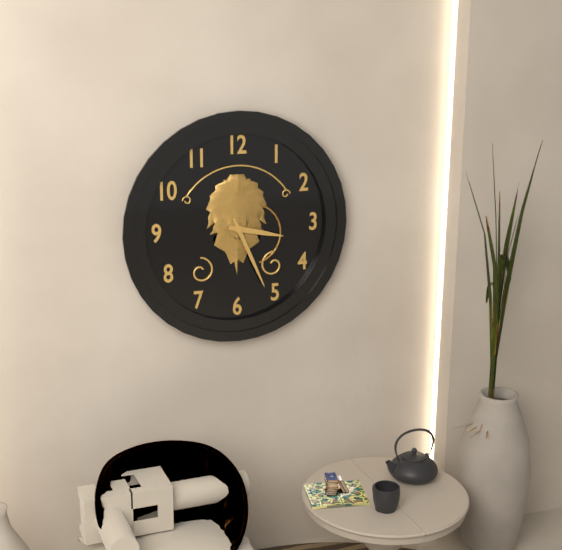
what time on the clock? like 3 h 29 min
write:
3 h 26 min
